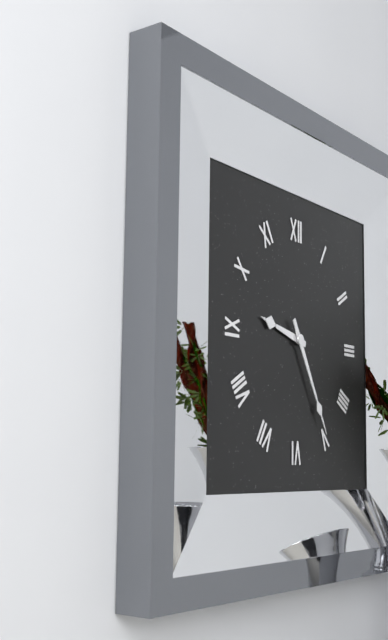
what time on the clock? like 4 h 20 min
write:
9 h 25 min
